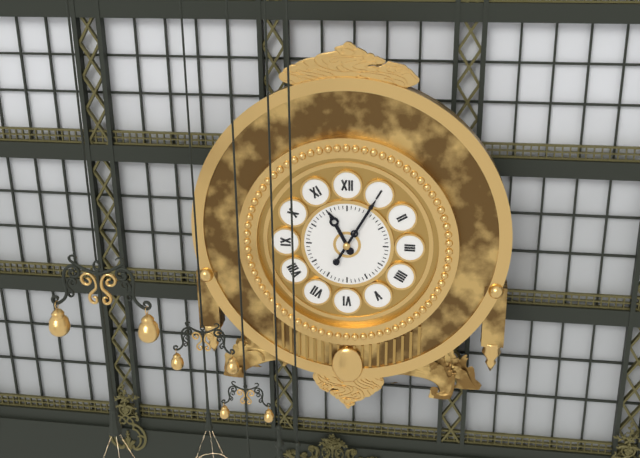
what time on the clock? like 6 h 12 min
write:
11 h 05 min
